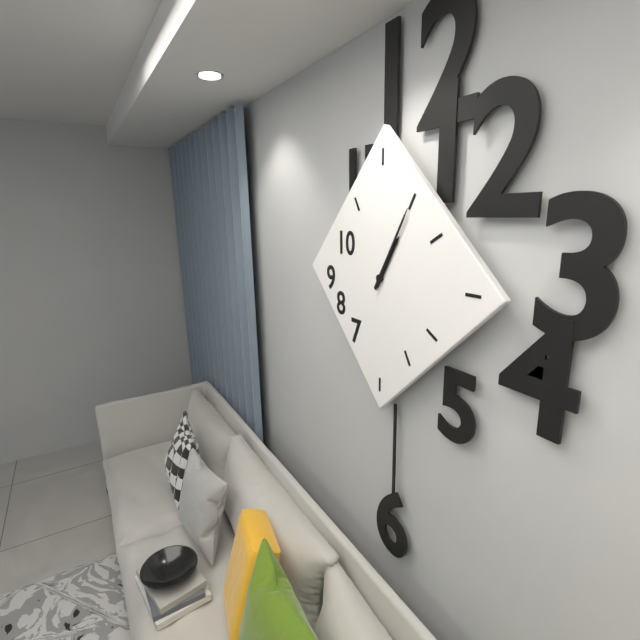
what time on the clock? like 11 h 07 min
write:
1 h 05 min
